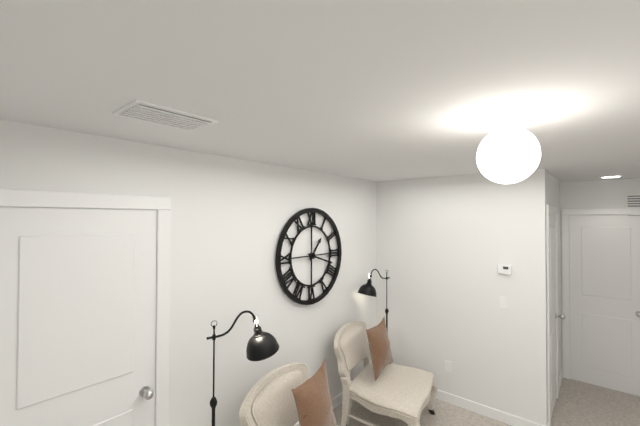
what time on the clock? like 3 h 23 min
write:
1 h 18 min
